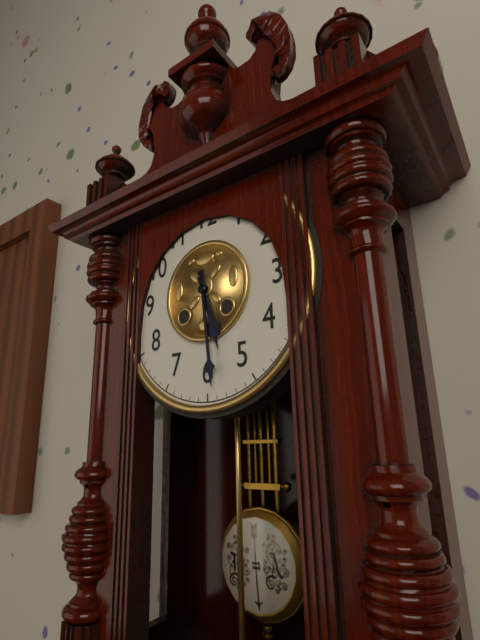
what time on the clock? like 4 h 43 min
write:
5 h 29 min
